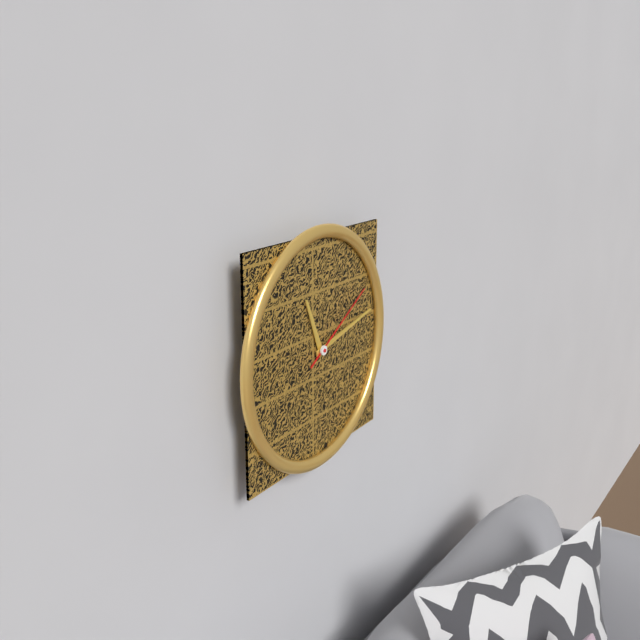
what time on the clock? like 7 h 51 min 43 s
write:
11 h 13 min 10 s
